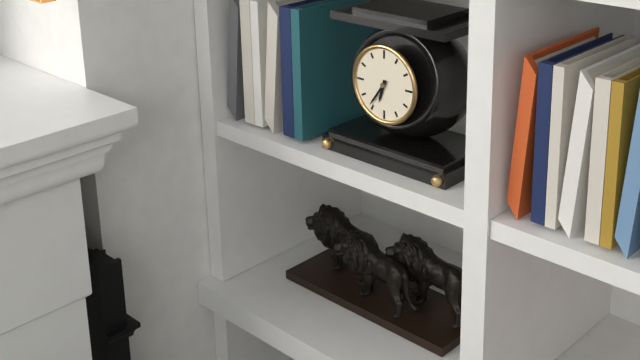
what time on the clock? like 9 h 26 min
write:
6 h 36 min
